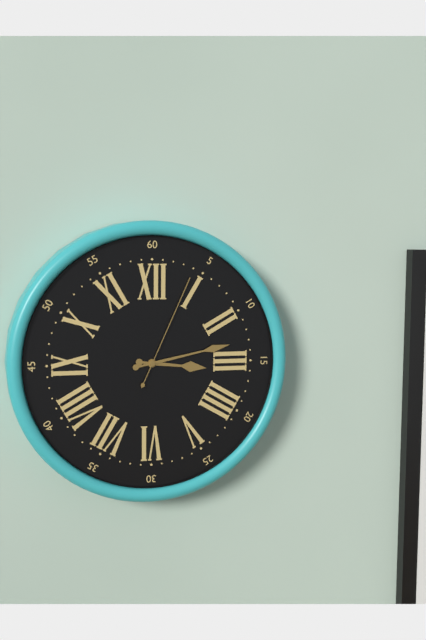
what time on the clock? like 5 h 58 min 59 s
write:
3 h 13 min 04 s
